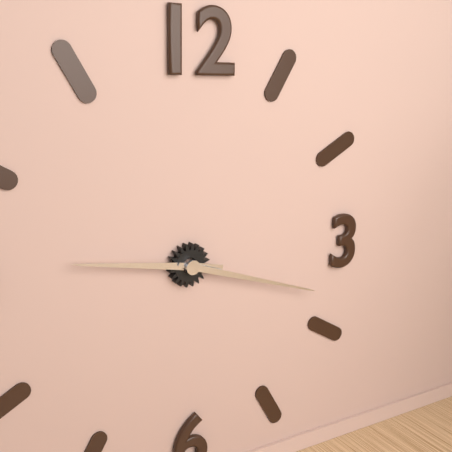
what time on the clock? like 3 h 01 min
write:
9 h 18 min
